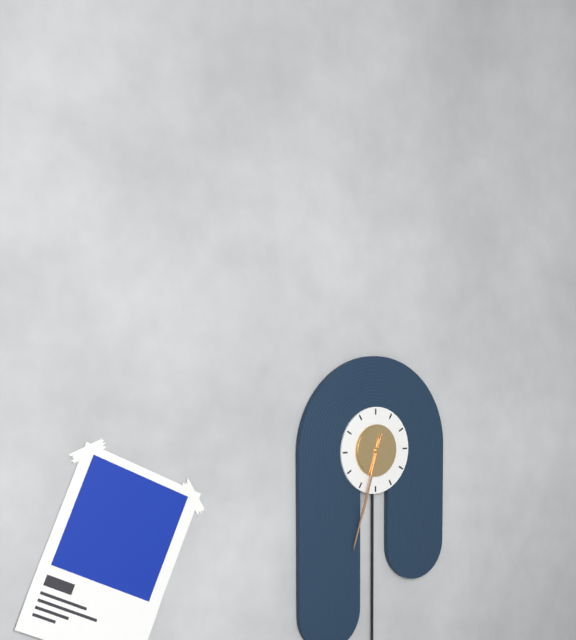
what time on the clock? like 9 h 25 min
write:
6 h 33 min
